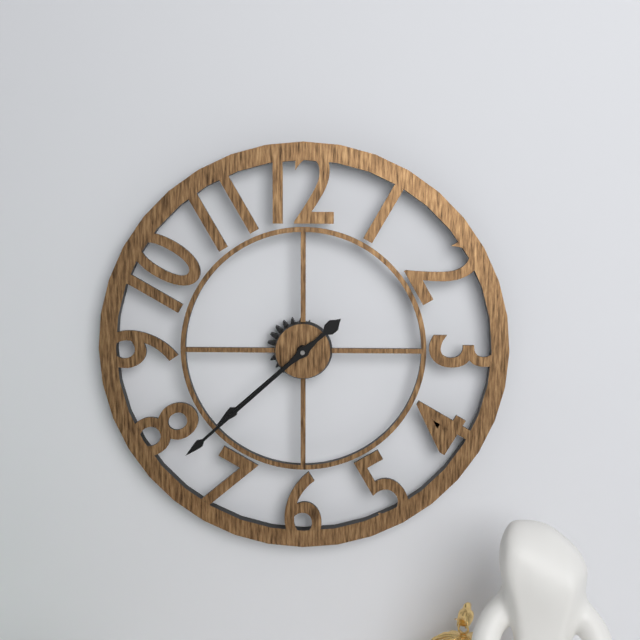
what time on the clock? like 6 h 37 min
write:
7 h 38 min
